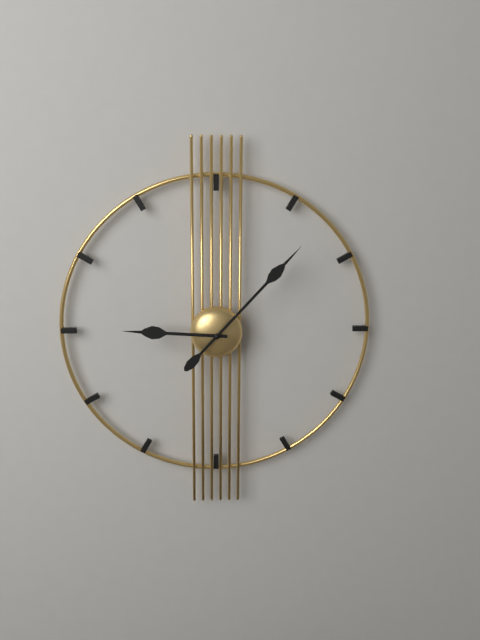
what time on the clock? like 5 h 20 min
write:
9 h 07 min
